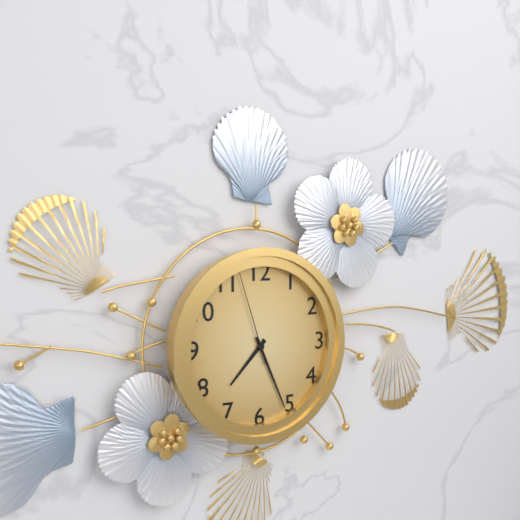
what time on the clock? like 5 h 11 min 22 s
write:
7 h 26 min 57 s
